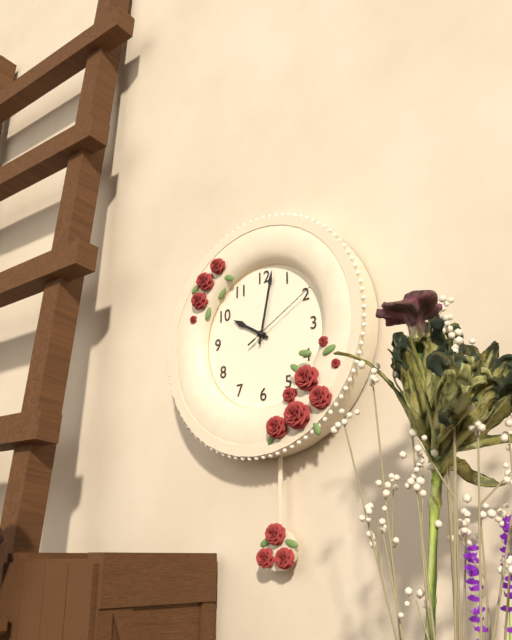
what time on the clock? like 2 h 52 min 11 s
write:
10 h 02 min 10 s
